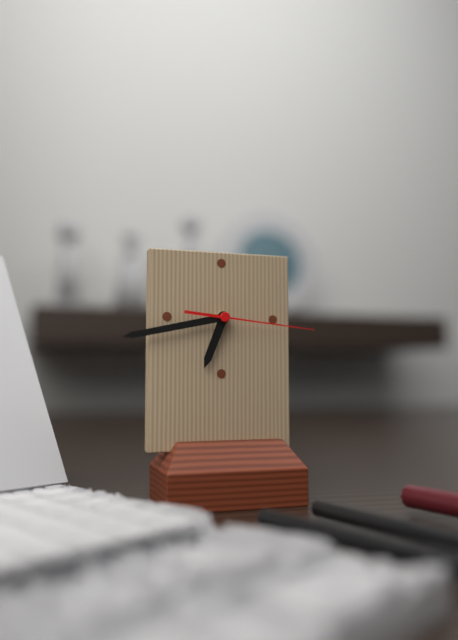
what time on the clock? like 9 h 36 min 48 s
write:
6 h 43 min 16 s
